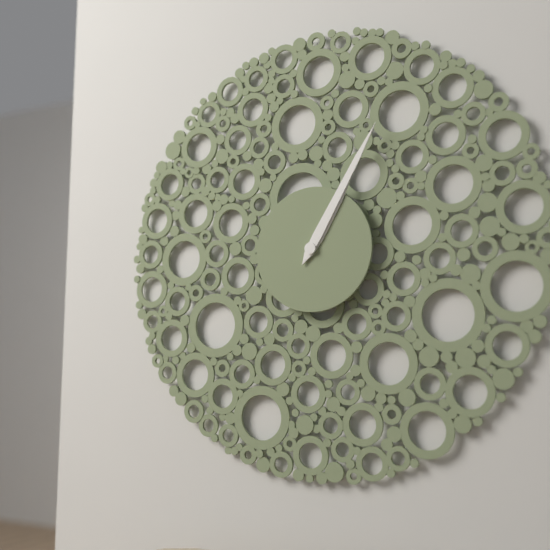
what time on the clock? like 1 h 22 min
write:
1 h 05 min
